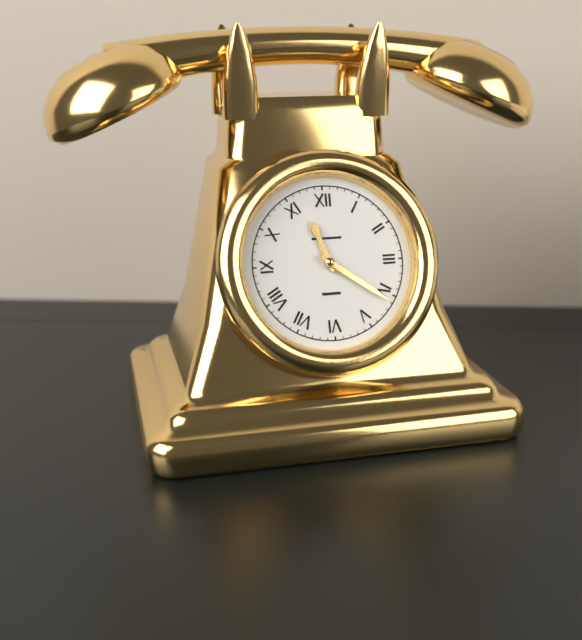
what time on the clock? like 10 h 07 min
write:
11 h 21 min
